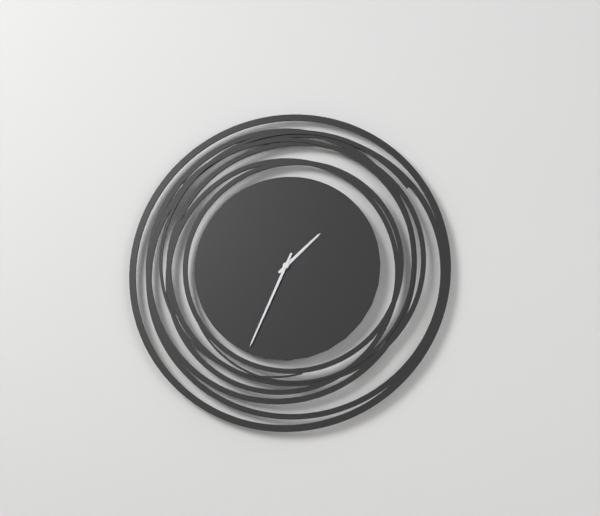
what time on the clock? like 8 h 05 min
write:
1 h 34 min
